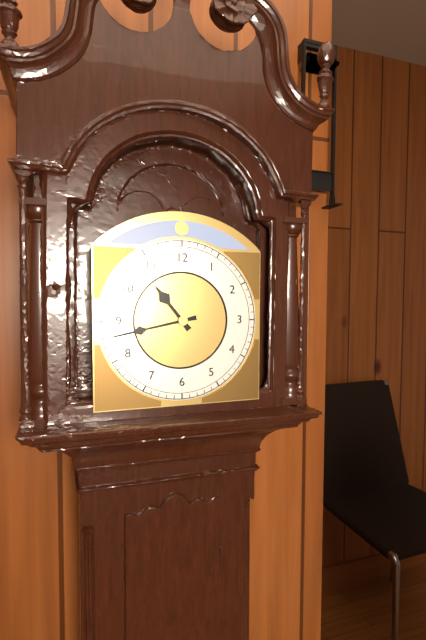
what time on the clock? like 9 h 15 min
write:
10 h 43 min
